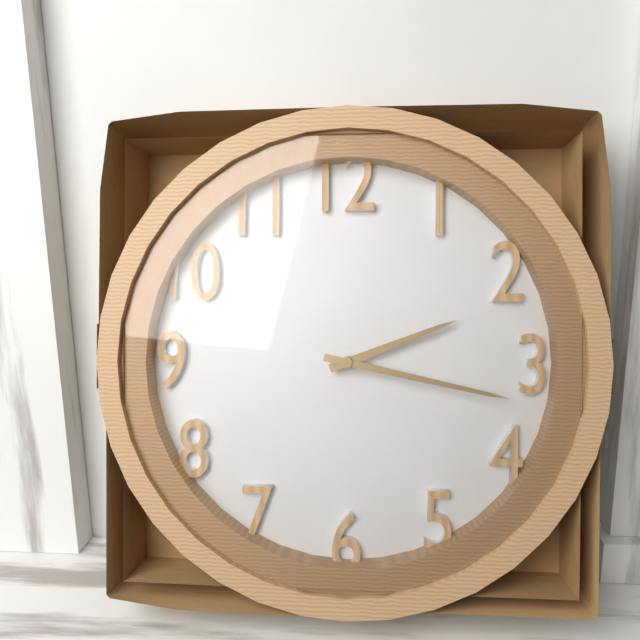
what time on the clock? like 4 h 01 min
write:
2 h 17 min
